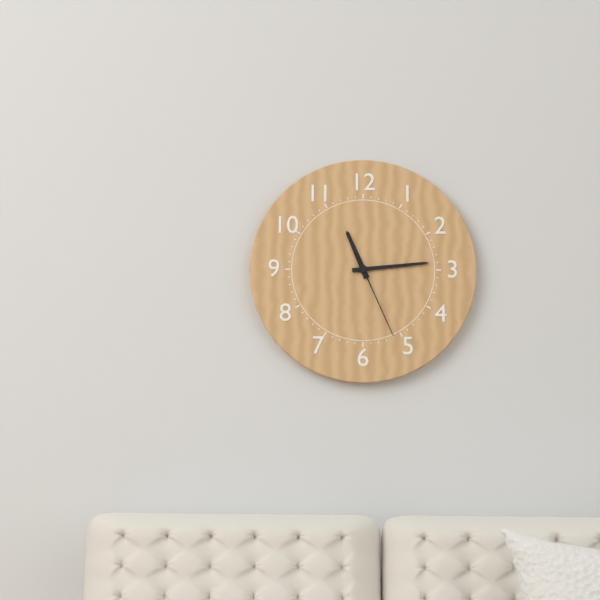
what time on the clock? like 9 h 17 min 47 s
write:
11 h 14 min 26 s
